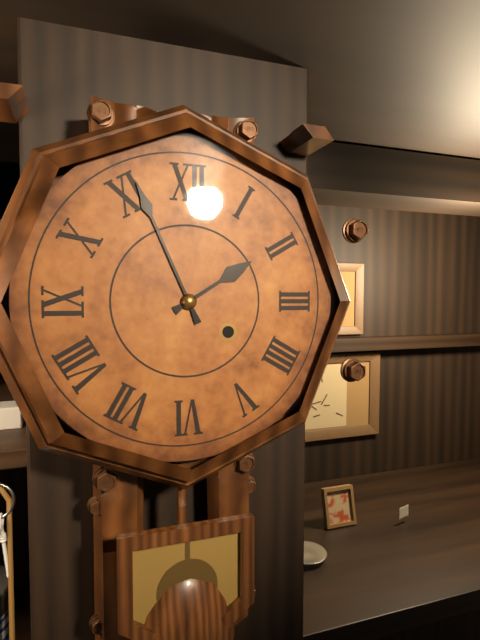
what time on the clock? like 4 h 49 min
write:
1 h 56 min
